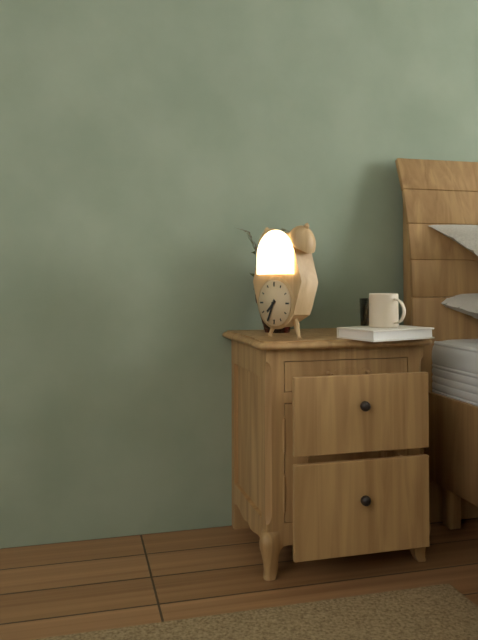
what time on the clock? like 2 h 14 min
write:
7 h 34 min
